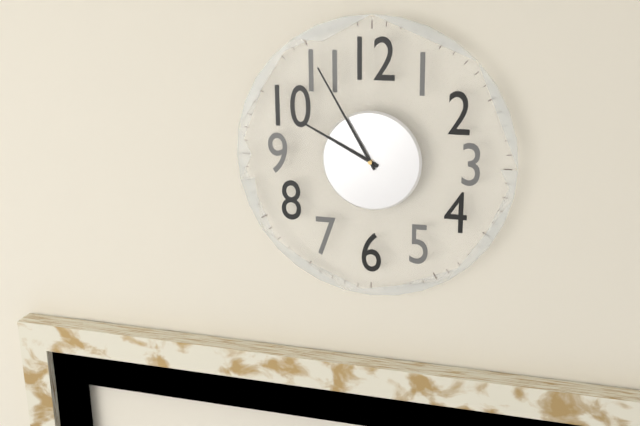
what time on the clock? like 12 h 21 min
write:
9 h 55 min
